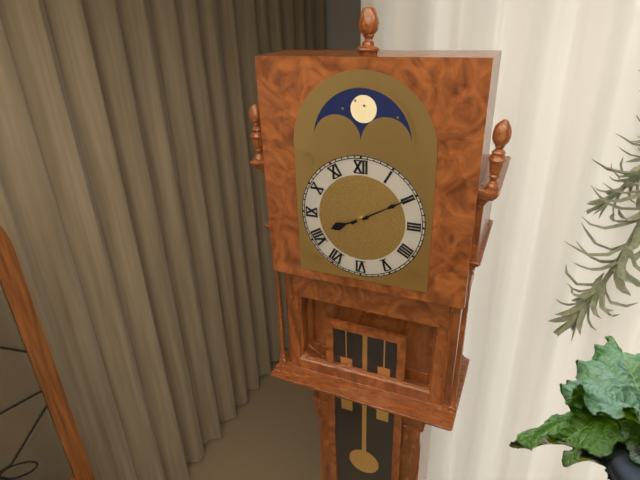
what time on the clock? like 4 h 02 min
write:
8 h 10 min
